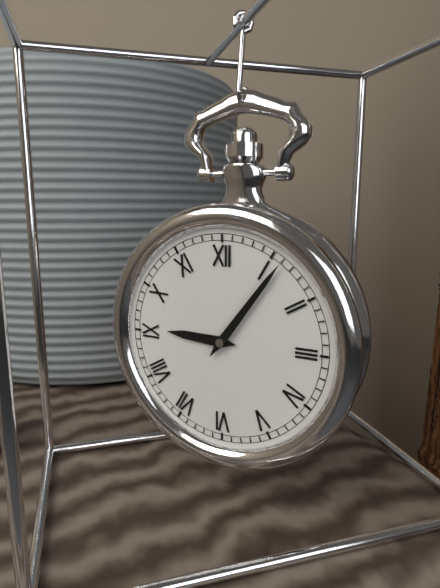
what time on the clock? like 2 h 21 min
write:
9 h 06 min
